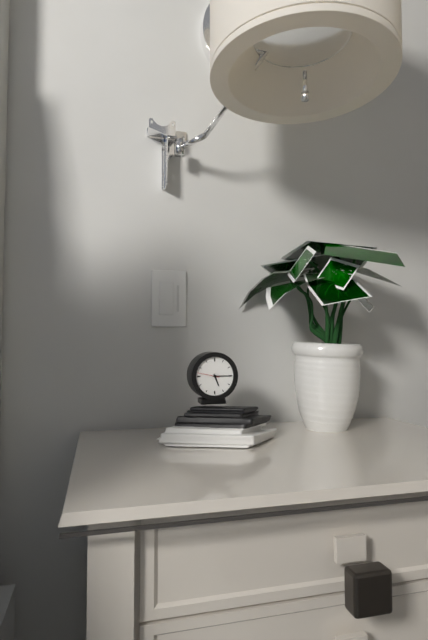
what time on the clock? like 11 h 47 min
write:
5 h 15 min
